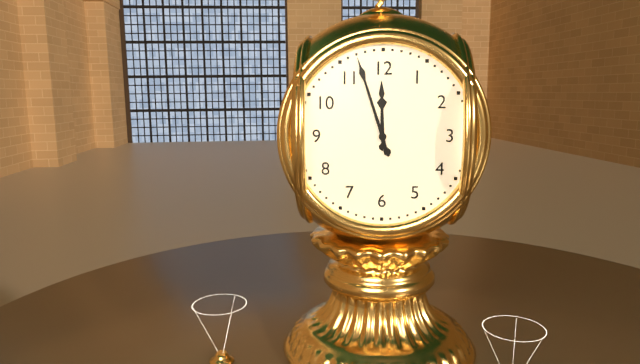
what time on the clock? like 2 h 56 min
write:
11 h 57 min
